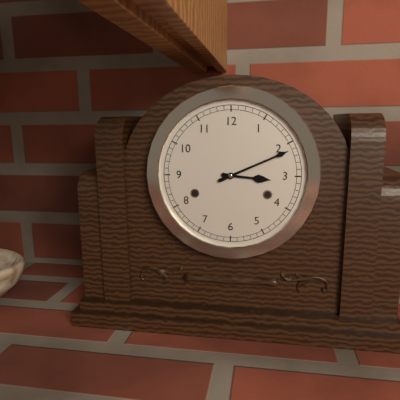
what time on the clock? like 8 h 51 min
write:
3 h 11 min
